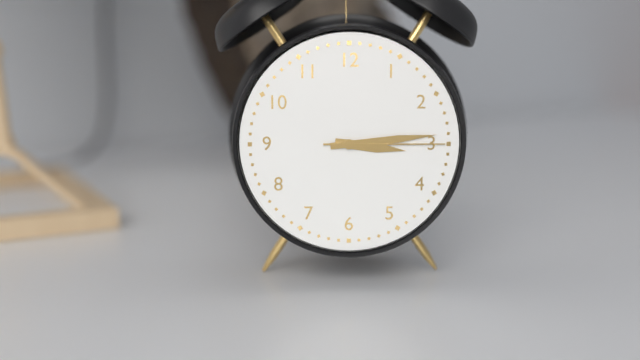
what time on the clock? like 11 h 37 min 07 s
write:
3 h 14 min 15 s
